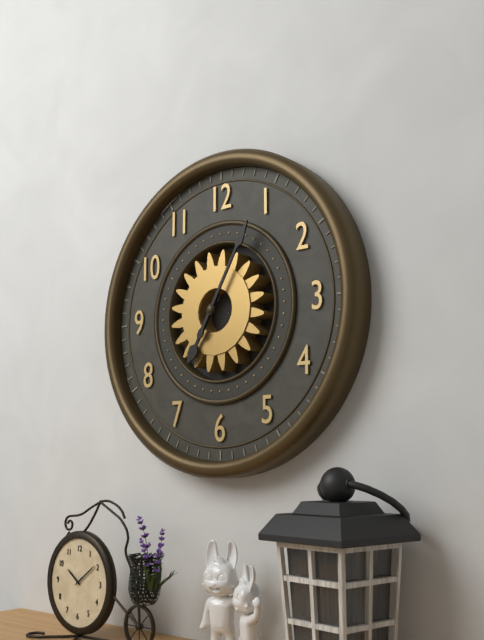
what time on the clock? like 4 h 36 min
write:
7 h 05 min
